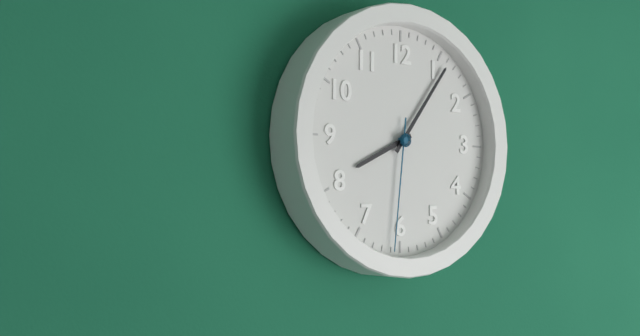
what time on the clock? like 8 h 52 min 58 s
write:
8 h 06 min 31 s
